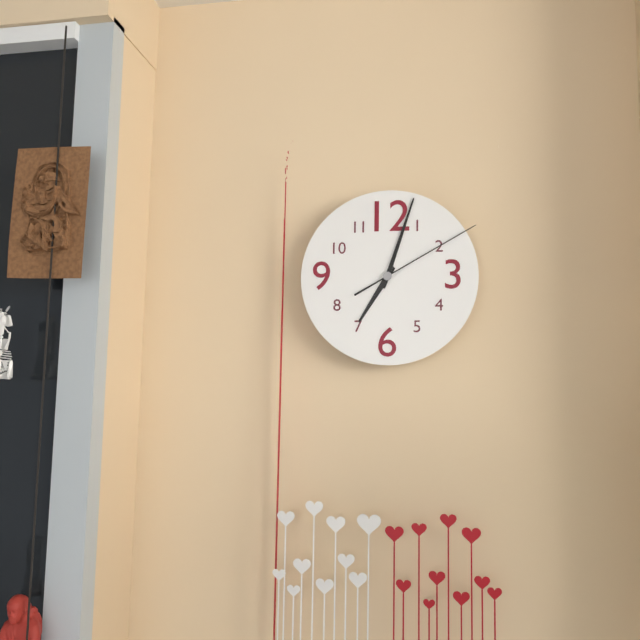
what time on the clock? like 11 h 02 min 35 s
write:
7 h 03 min 10 s
